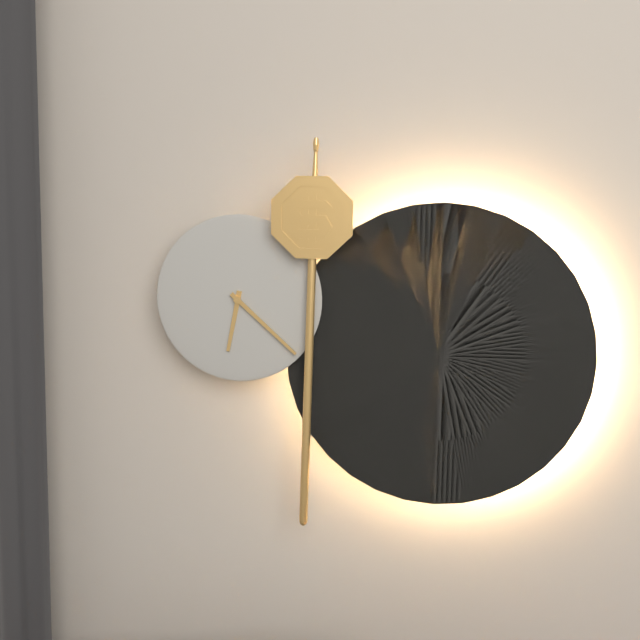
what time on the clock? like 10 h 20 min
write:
6 h 22 min
